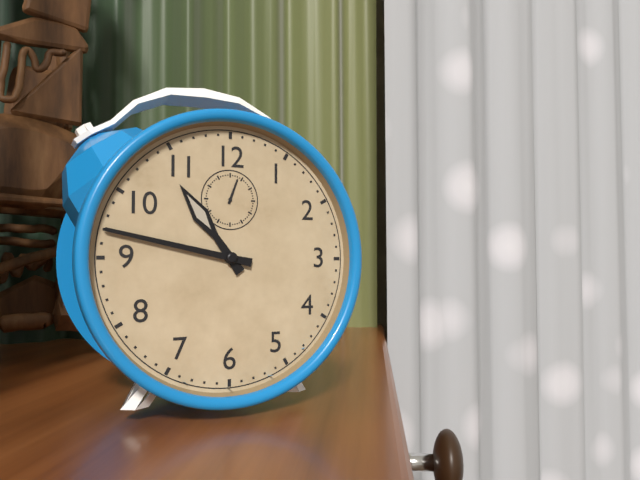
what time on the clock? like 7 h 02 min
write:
10 h 47 min
